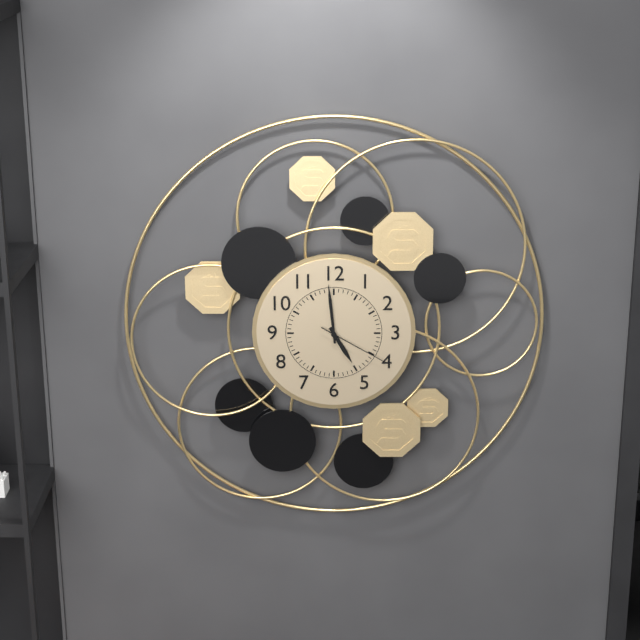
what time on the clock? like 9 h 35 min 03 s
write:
4 h 59 min 20 s
